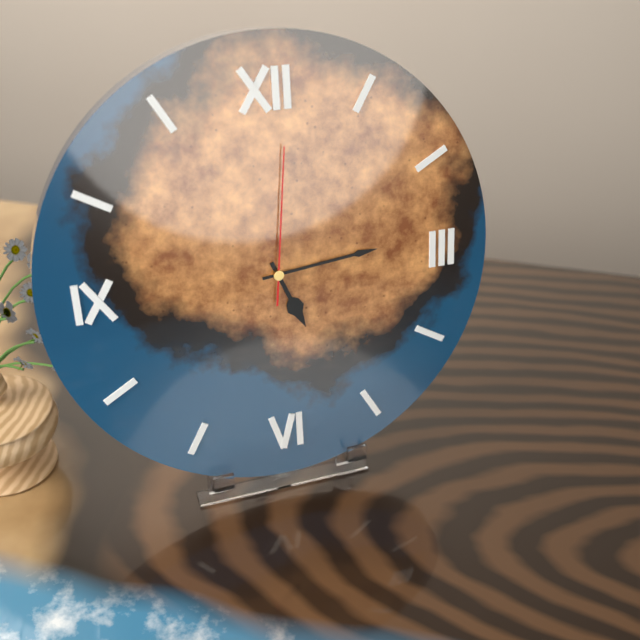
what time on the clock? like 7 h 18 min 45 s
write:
5 h 14 min 01 s
